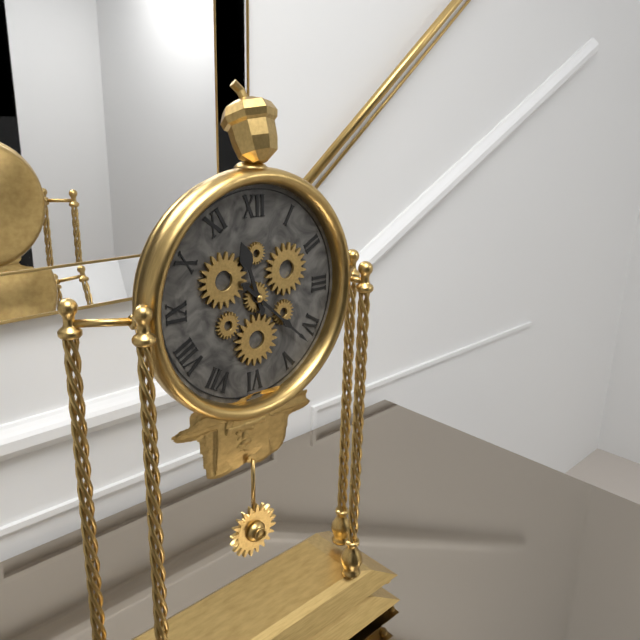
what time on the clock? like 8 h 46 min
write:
11 h 22 min
